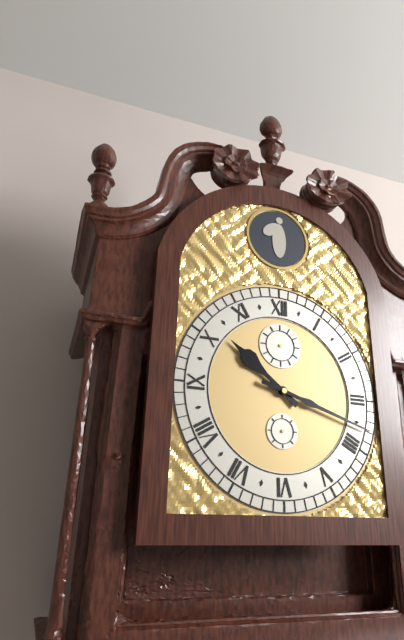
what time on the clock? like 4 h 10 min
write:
10 h 18 min
